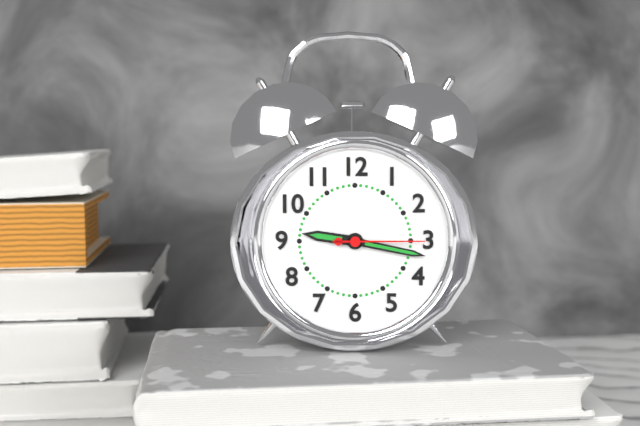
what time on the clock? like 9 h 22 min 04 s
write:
9 h 17 min 15 s
